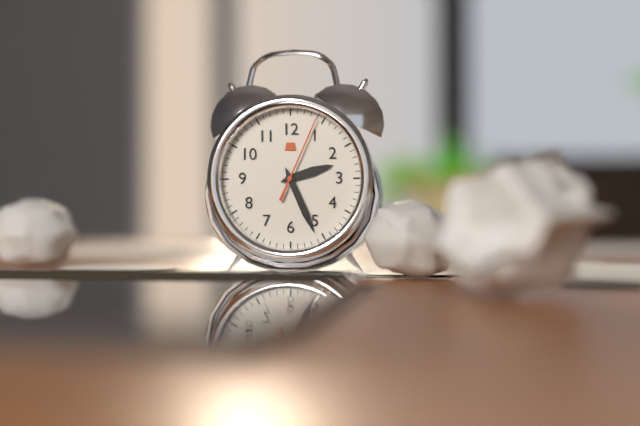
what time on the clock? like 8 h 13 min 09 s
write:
2 h 26 min 04 s
